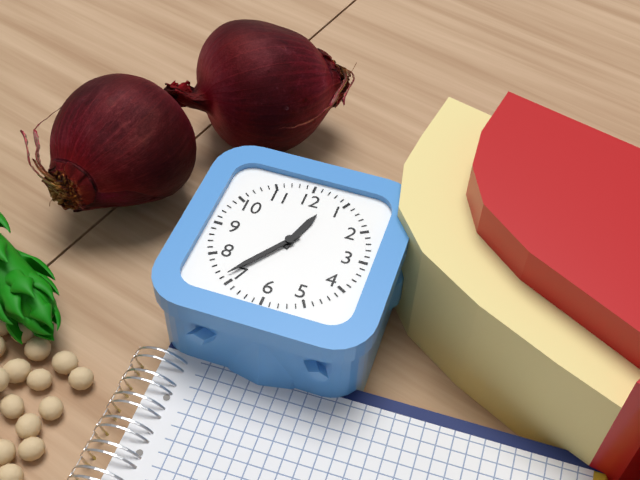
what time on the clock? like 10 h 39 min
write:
12 h 36 min
